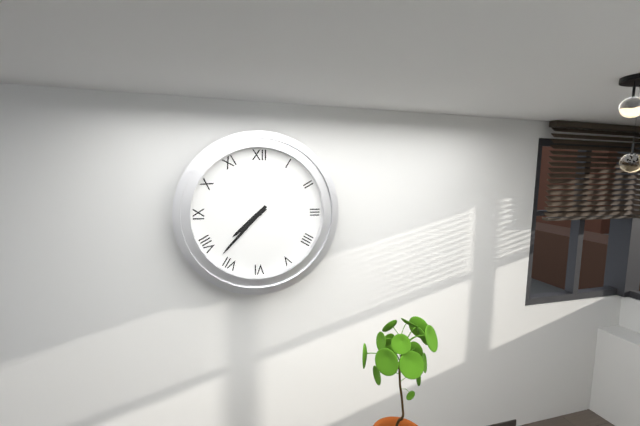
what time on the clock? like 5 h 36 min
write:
7 h 37 min
